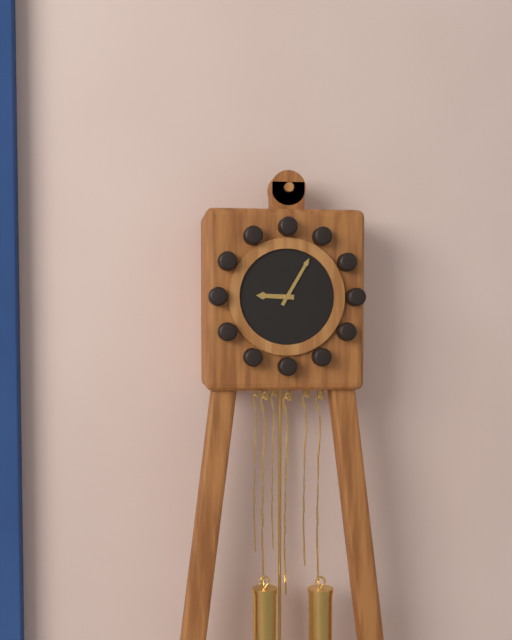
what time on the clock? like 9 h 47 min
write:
9 h 05 min
